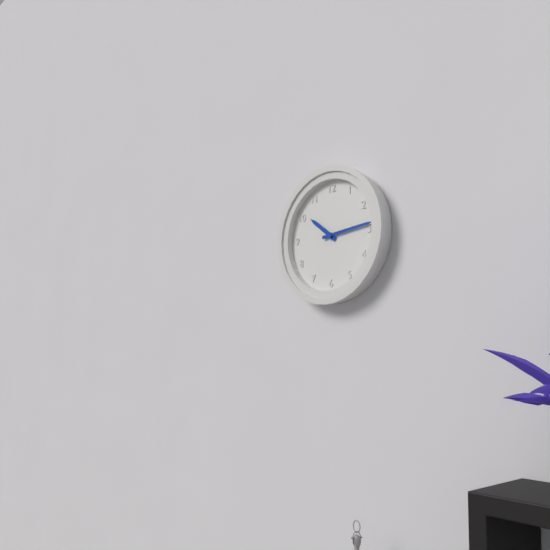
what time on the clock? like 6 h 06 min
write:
10 h 14 min
